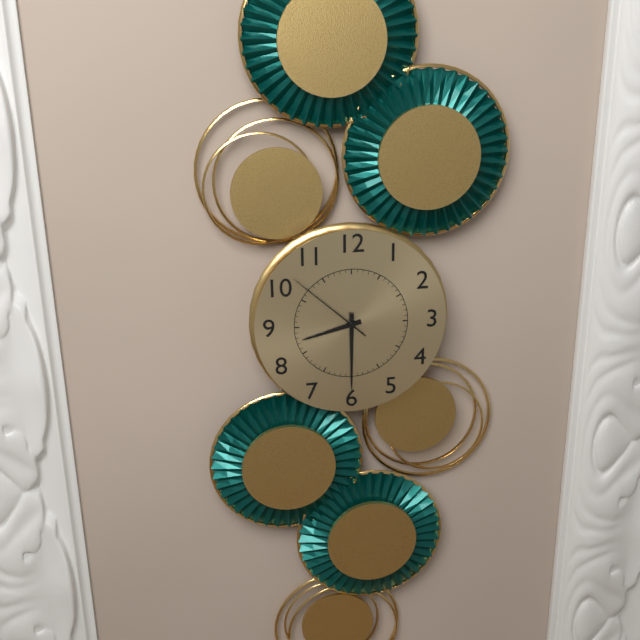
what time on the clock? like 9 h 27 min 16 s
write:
8 h 30 min 52 s
